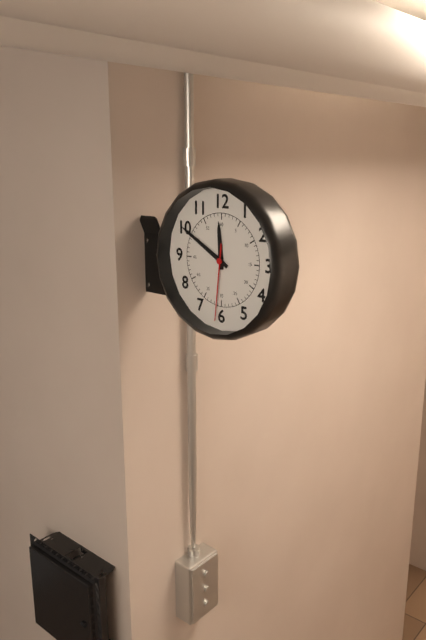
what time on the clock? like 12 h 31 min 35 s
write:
11 h 50 min 31 s
